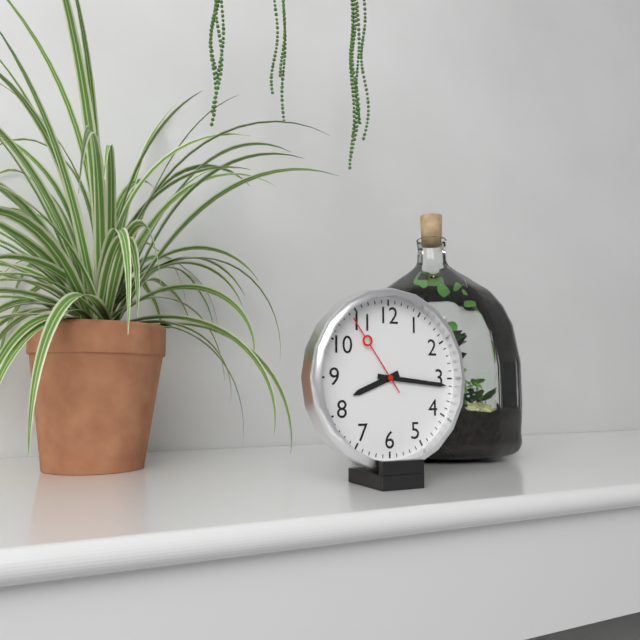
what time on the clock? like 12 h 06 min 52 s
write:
8 h 16 min 54 s
